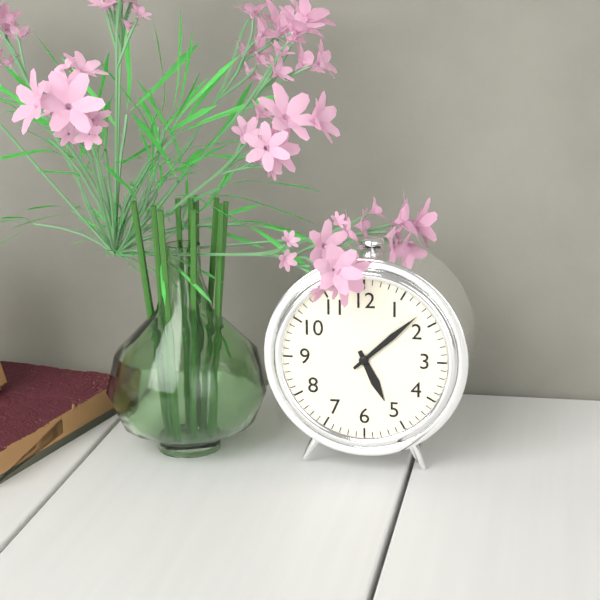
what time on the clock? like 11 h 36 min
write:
5 h 08 min
